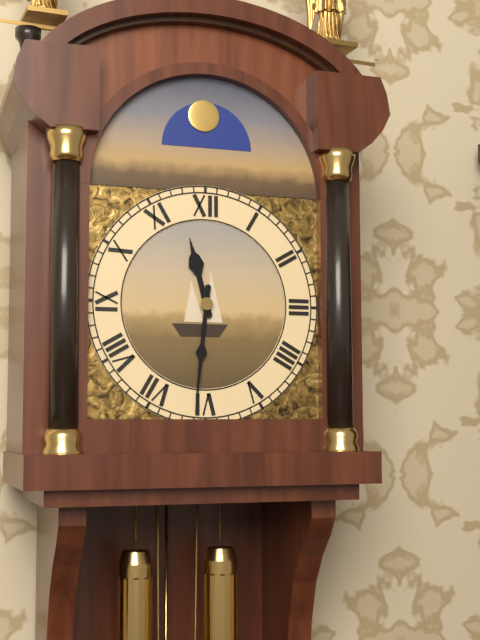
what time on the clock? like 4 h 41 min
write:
11 h 31 min
